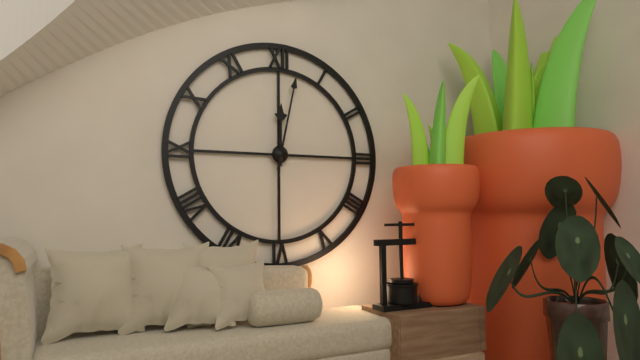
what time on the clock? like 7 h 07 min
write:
12 h 02 min
